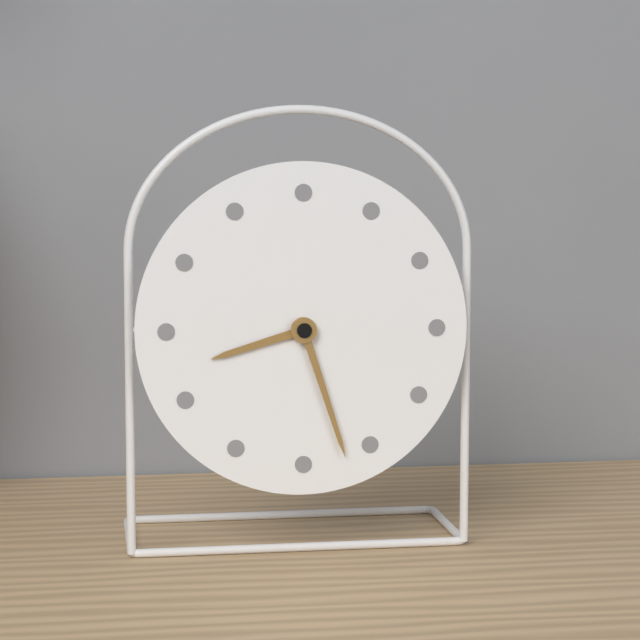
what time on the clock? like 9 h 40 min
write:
8 h 27 min
